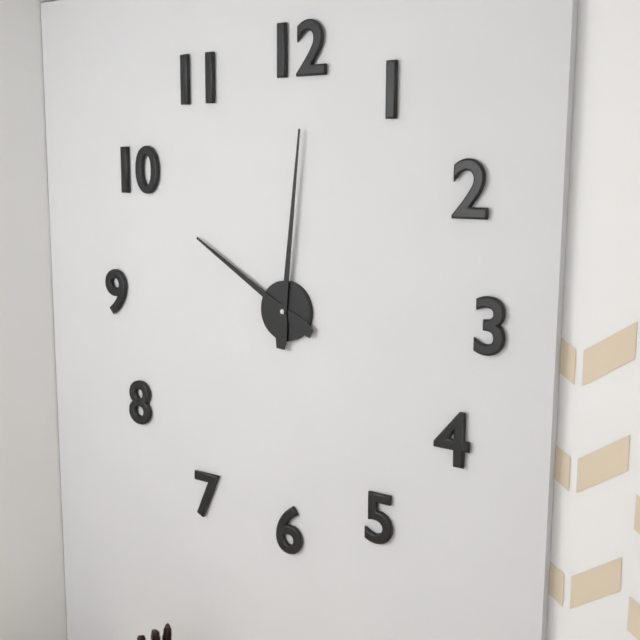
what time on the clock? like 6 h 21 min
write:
10 h 01 min
